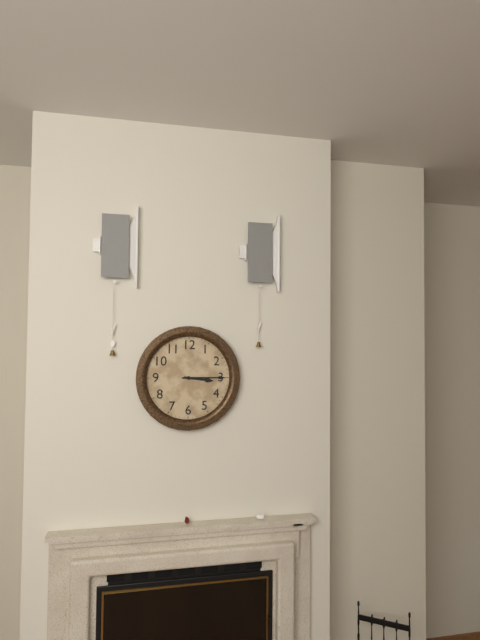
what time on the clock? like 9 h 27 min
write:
3 h 15 min
